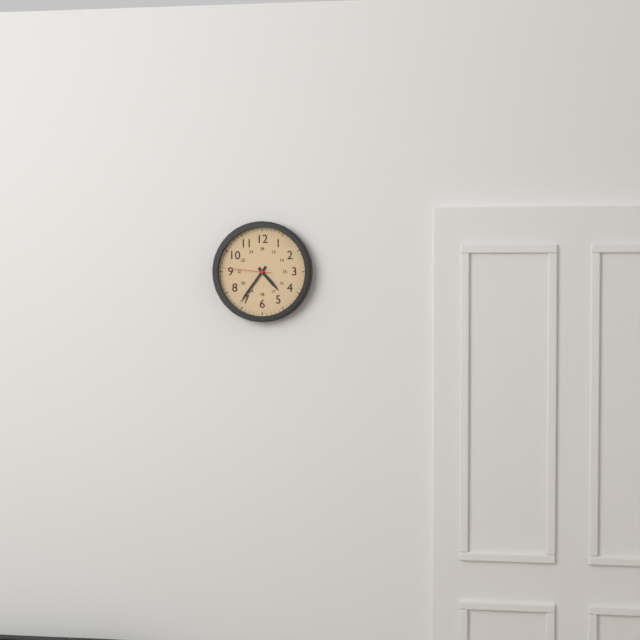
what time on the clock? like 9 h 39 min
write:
4 h 36 min
